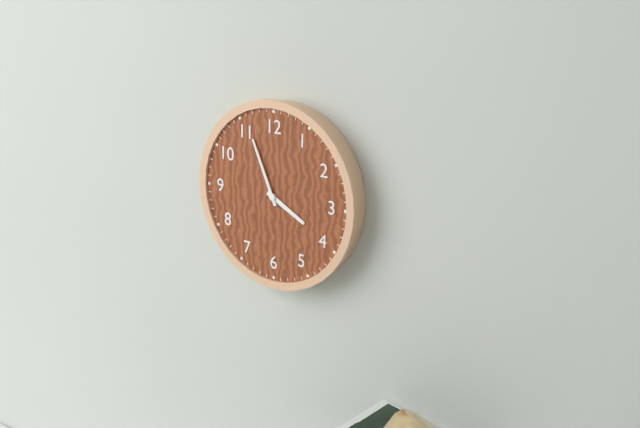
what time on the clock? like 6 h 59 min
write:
3 h 56 min
